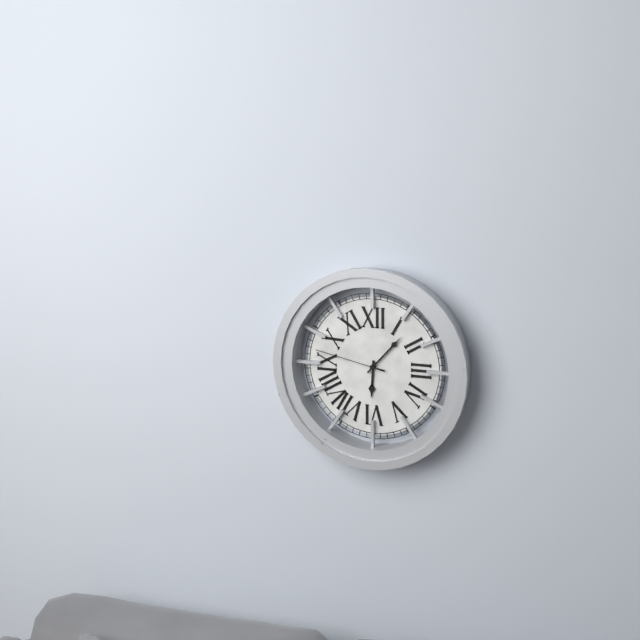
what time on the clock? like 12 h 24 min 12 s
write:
6 h 07 min 47 s
